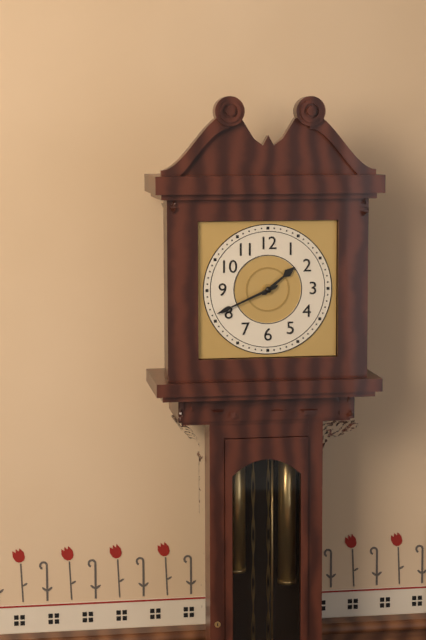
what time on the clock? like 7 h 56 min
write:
1 h 41 min
